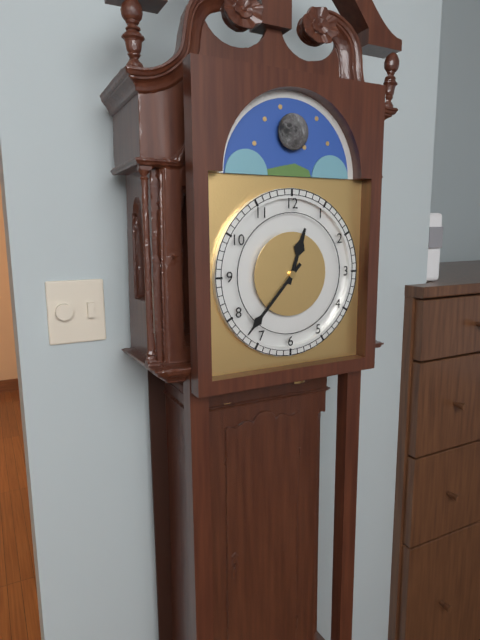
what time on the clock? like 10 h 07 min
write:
12 h 37 min
